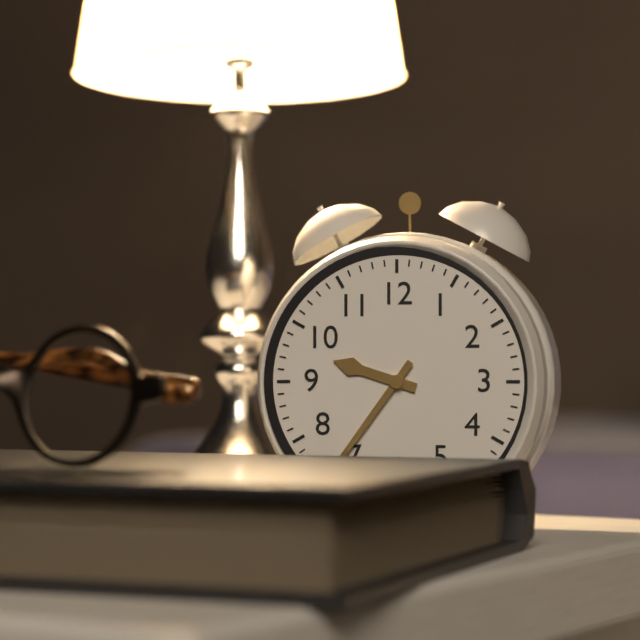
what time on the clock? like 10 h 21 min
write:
9 h 36 min
